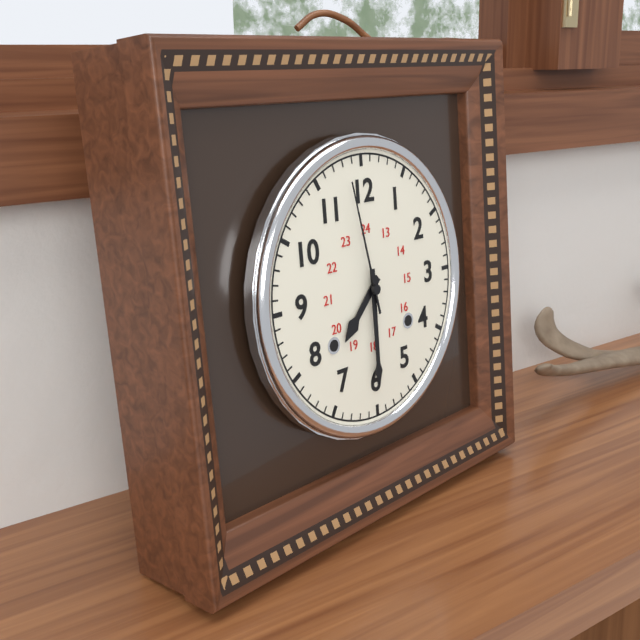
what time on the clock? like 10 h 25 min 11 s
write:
7 h 30 min 58 s
